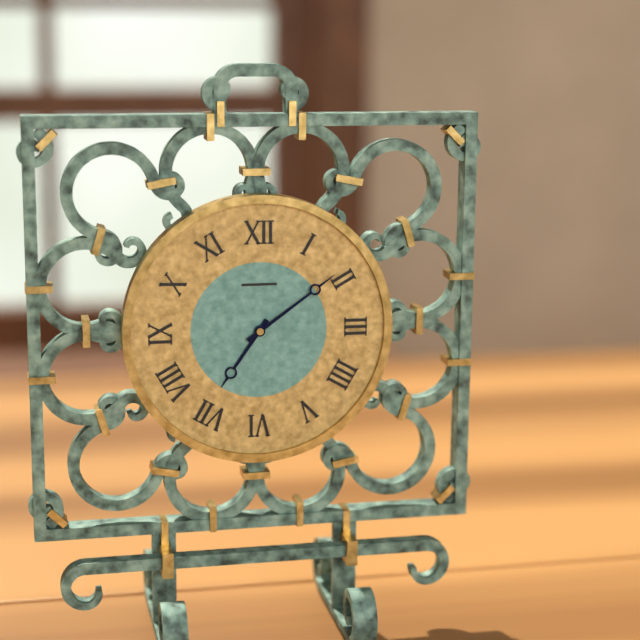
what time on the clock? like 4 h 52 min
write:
7 h 09 min
